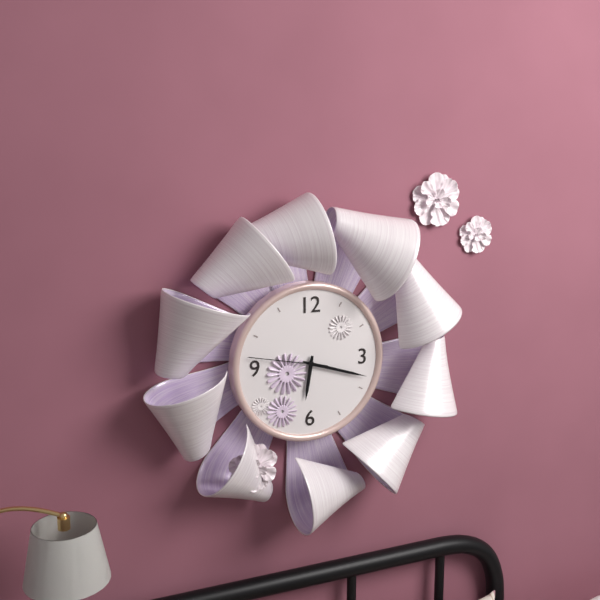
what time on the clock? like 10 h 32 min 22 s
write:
6 h 18 min 47 s
